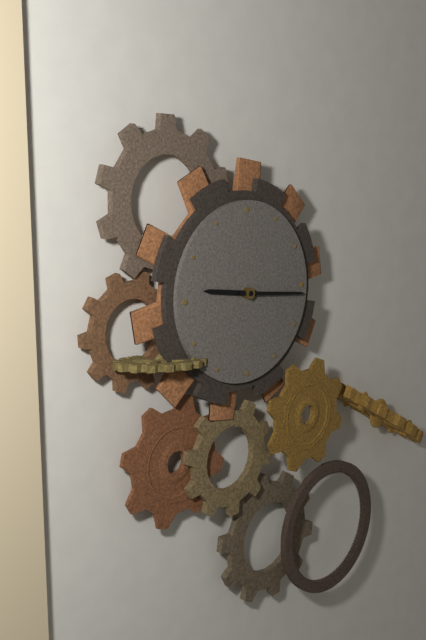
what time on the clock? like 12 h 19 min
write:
9 h 16 min
